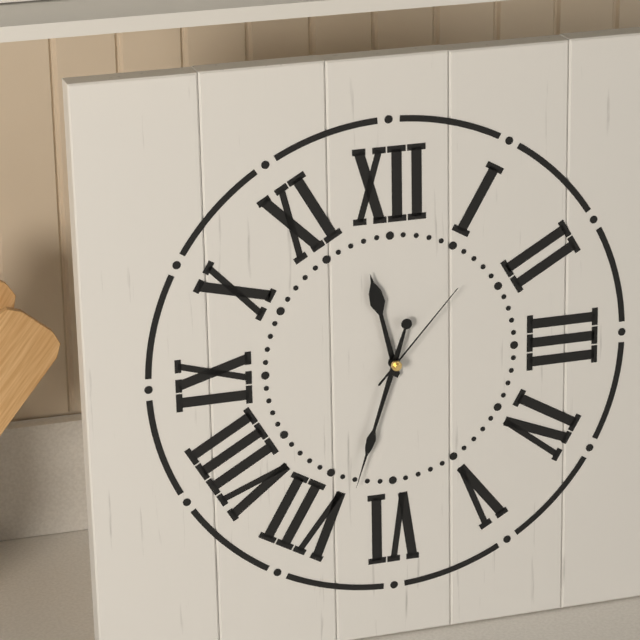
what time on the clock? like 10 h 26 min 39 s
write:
11 h 33 min 07 s
